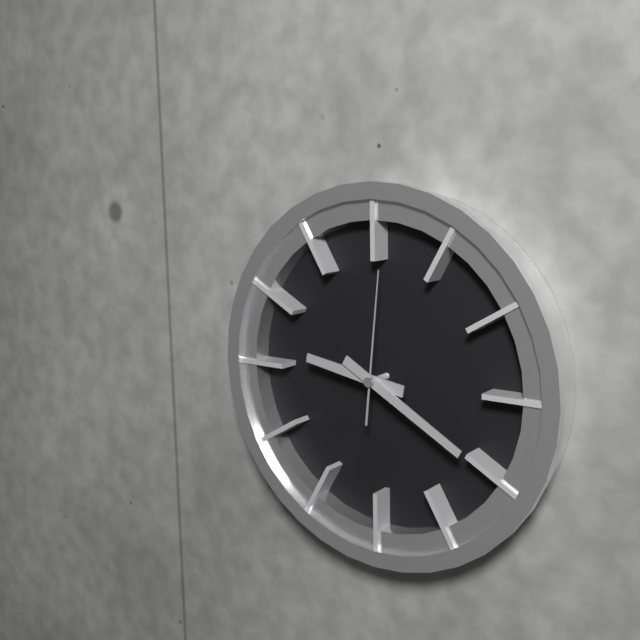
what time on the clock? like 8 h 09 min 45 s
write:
9 h 20 min 01 s
